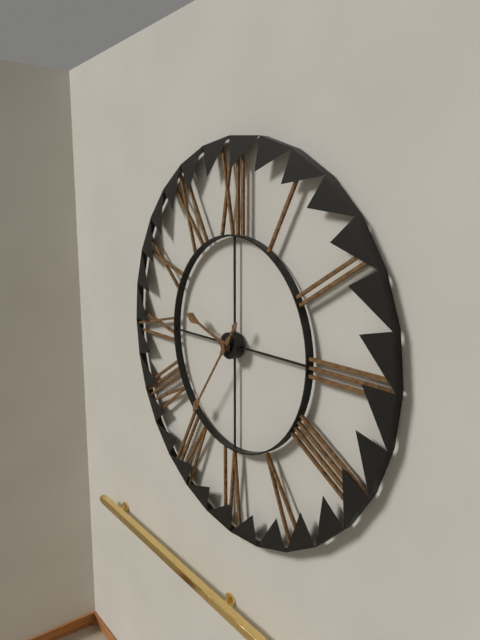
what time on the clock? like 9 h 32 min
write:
9 h 36 min
